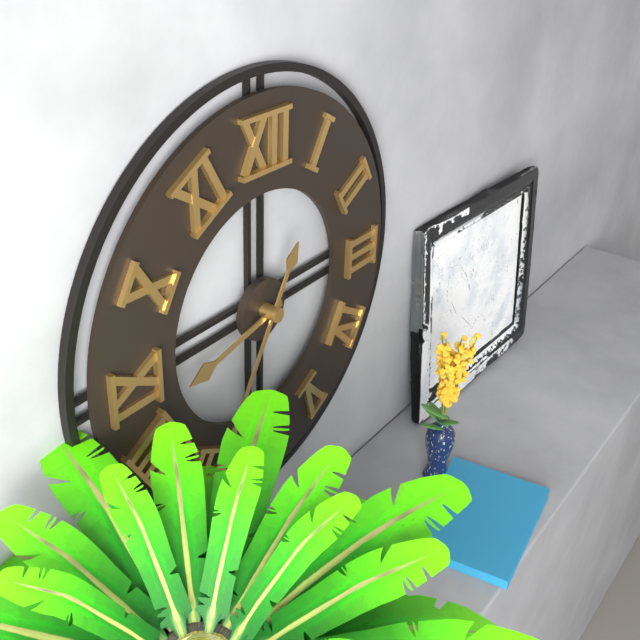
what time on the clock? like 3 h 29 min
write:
8 h 35 min
